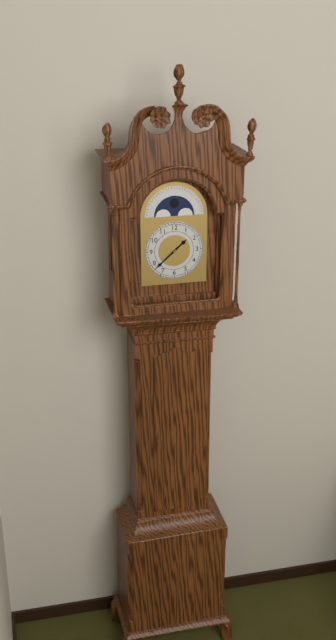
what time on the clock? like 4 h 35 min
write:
1 h 38 min
